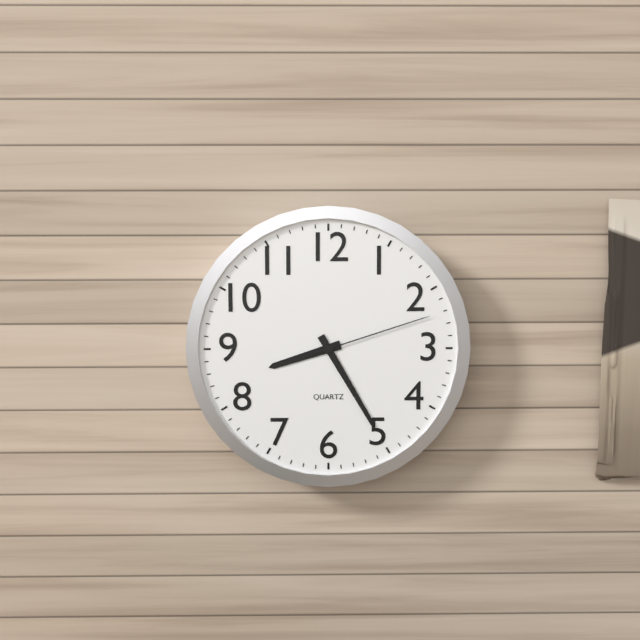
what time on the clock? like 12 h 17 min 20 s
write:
8 h 25 min 12 s
